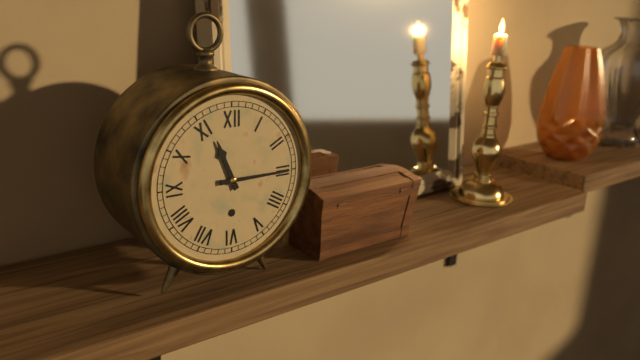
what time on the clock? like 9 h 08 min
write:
11 h 15 min
